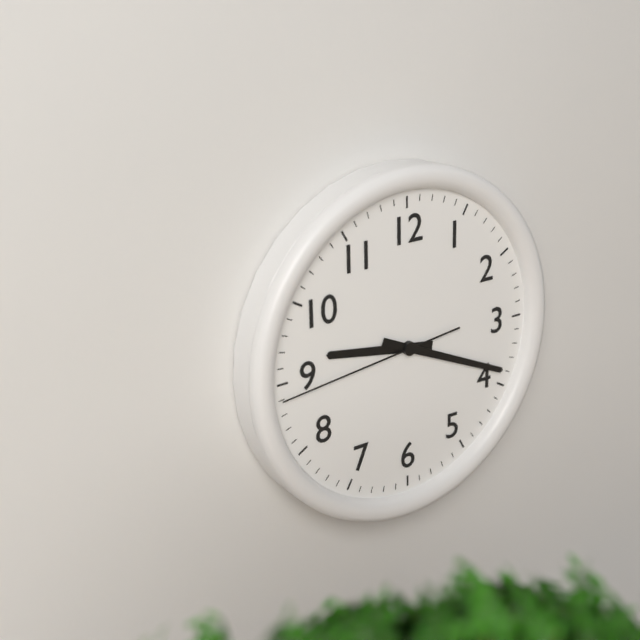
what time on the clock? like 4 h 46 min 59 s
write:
9 h 19 min 44 s
